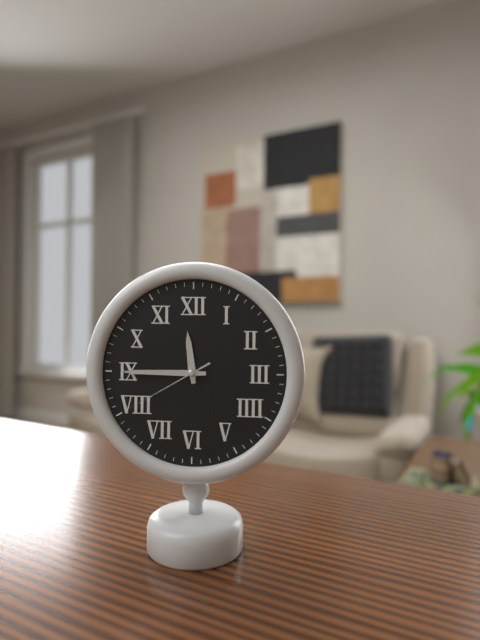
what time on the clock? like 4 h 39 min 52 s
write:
11 h 45 min 40 s
